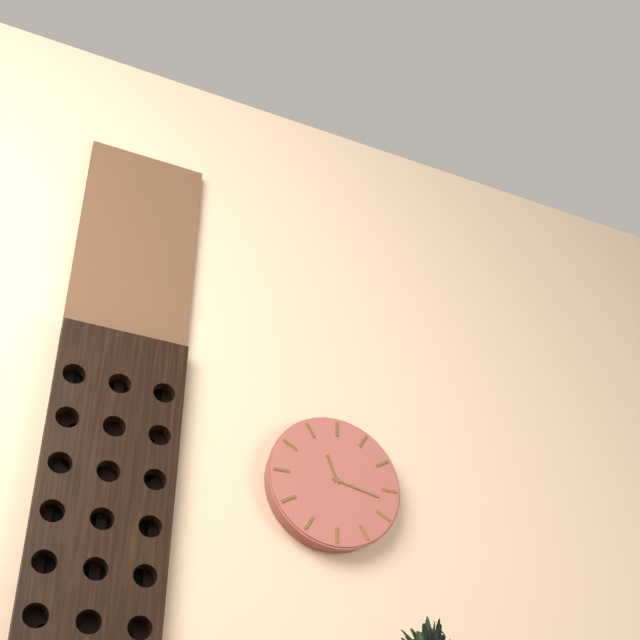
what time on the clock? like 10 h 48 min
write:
11 h 17 min
